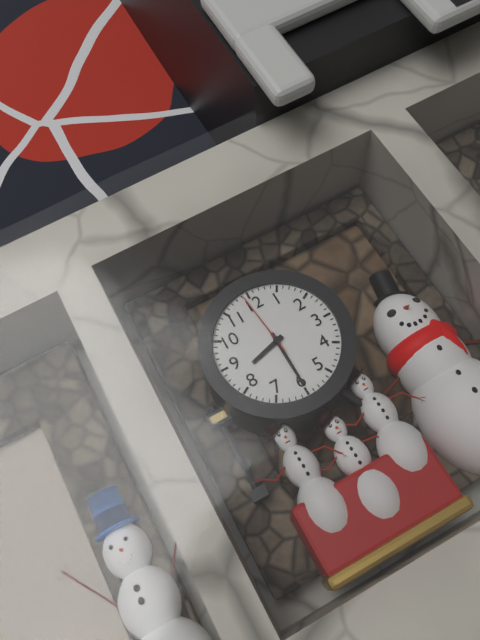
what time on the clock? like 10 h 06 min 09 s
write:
8 h 30 min 59 s
